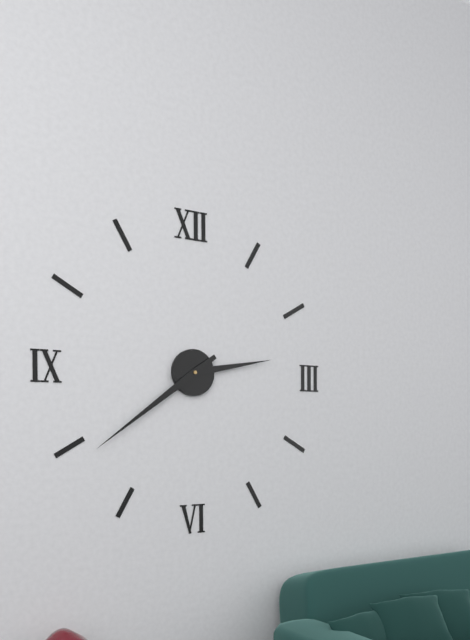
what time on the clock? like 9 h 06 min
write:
2 h 39 min
